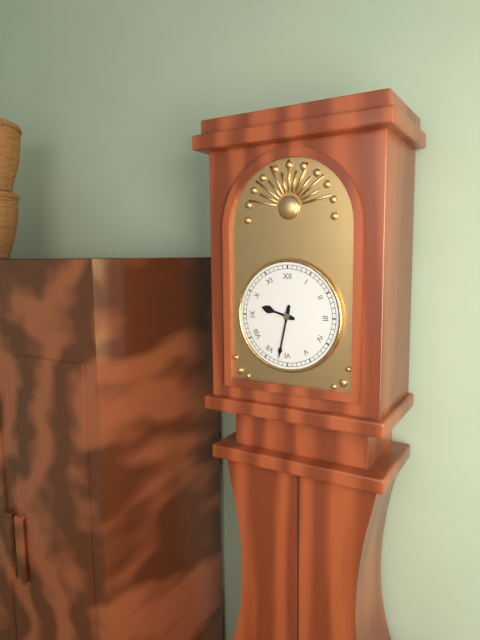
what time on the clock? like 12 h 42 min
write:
9 h 32 min
